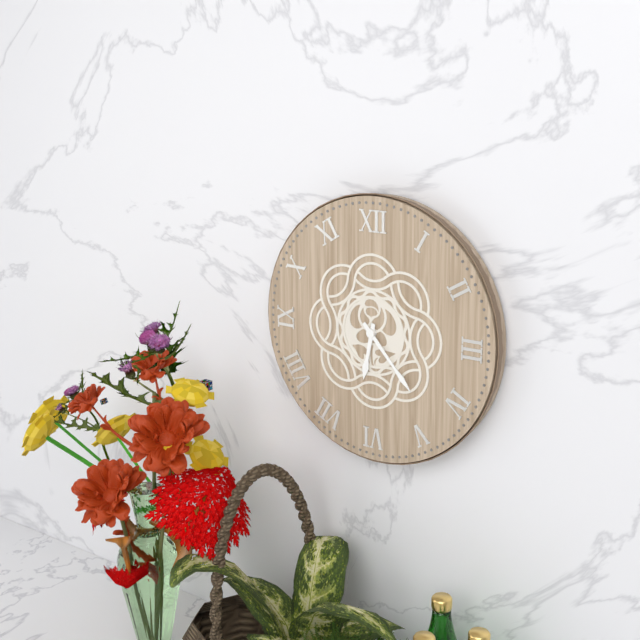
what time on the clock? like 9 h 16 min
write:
6 h 23 min
